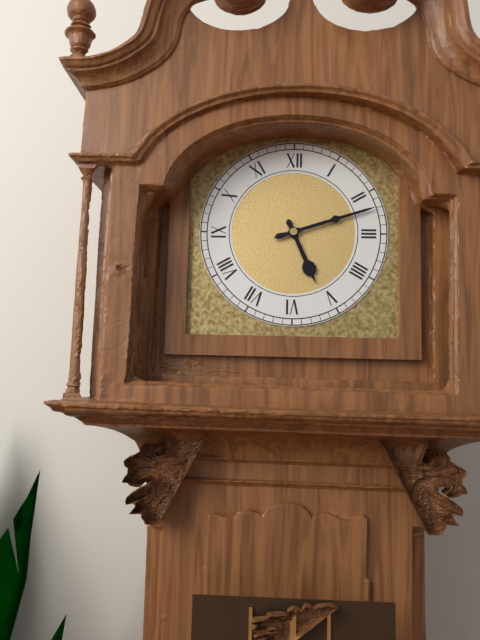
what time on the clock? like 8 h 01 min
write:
5 h 12 min
